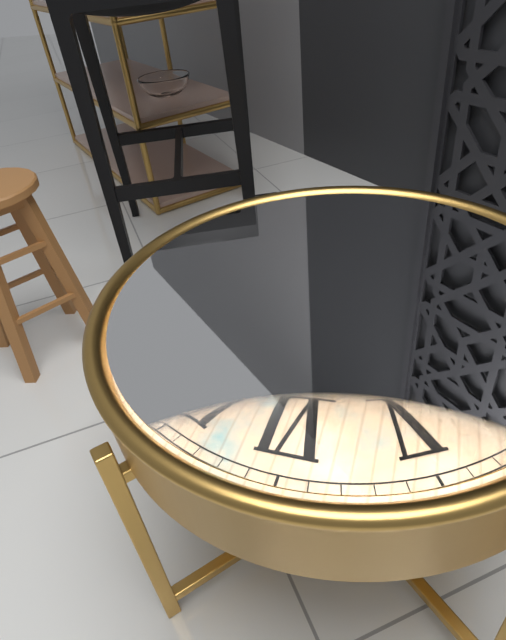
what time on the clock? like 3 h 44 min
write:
8 h 07 min
